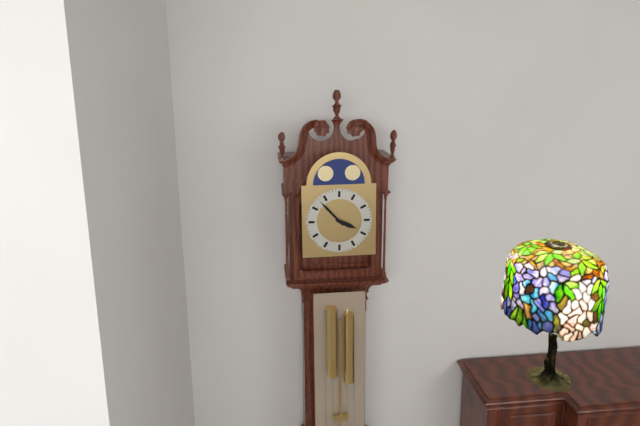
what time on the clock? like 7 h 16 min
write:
3 h 53 min
